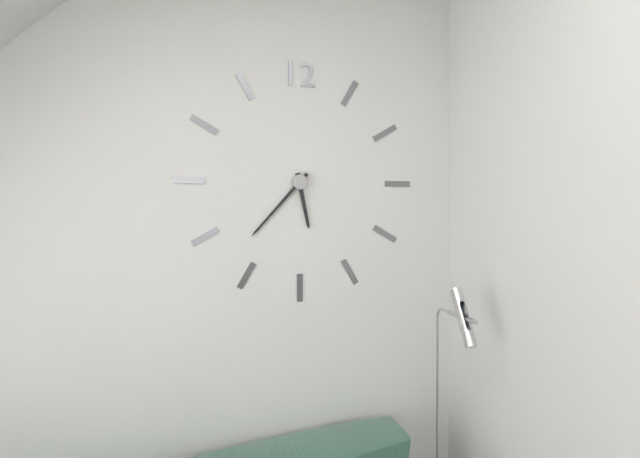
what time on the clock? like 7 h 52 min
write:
5 h 37 min
